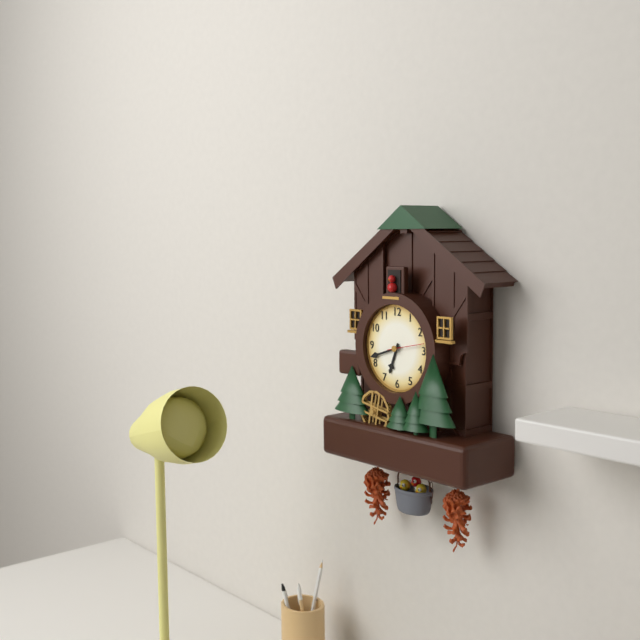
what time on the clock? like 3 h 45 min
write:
6 h 42 min
